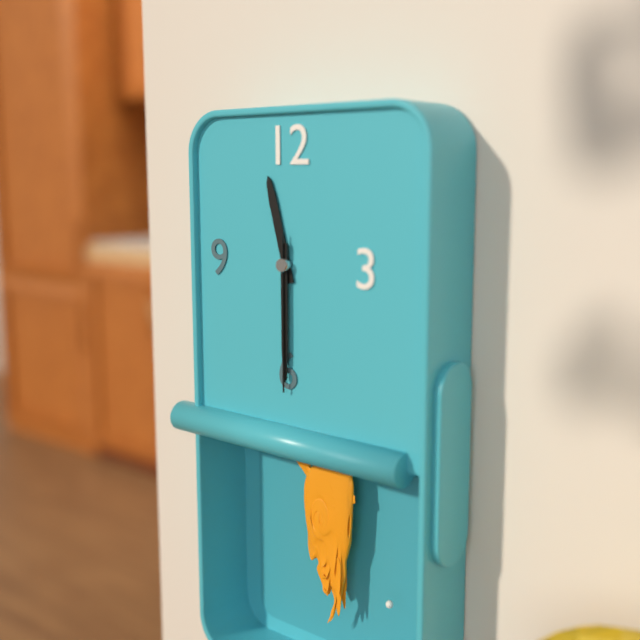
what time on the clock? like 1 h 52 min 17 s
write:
11 h 30 min 30 s
